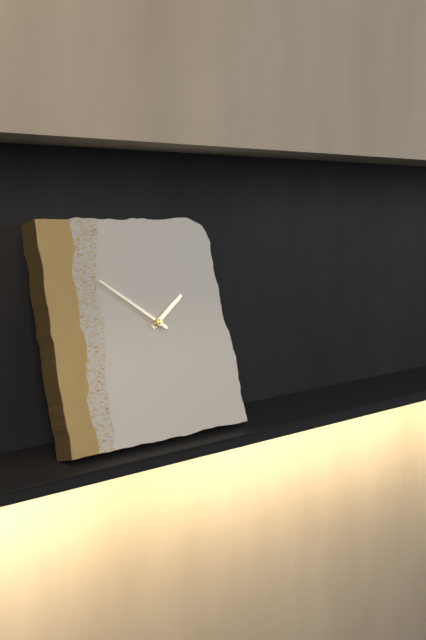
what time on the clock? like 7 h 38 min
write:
1 h 51 min
